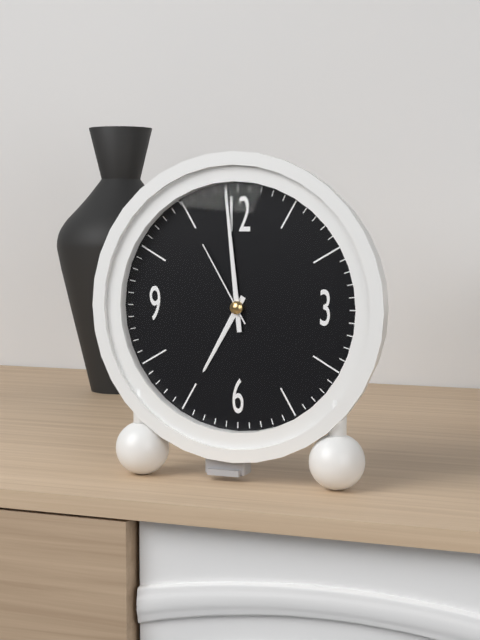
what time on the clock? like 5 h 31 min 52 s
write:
6 h 59 min 55 s
